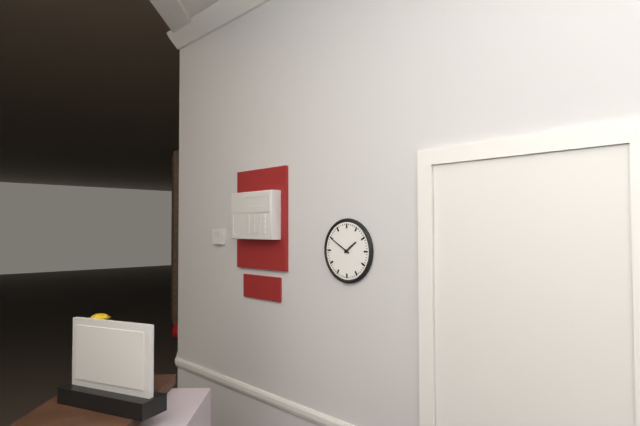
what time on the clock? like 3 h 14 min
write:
1 h 50 min
